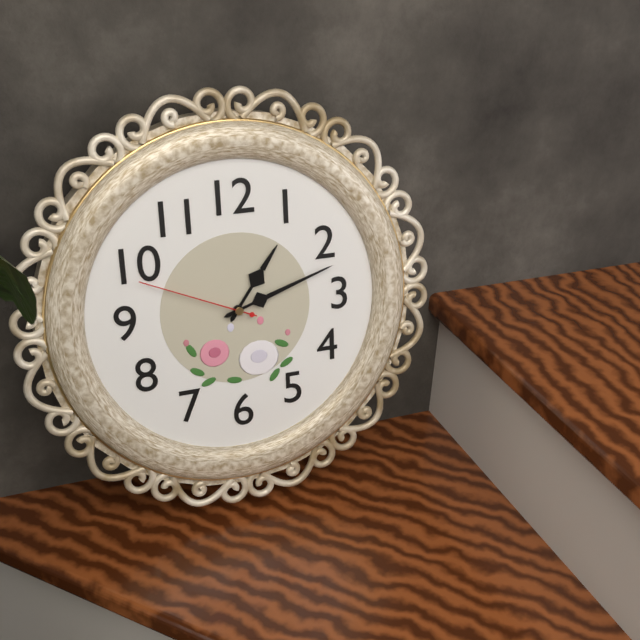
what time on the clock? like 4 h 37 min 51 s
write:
1 h 12 min 49 s
